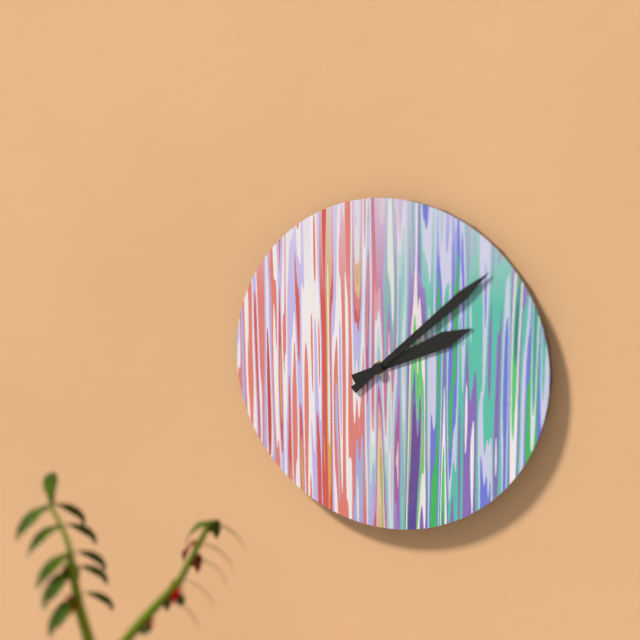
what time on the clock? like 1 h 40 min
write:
2 h 08 min
